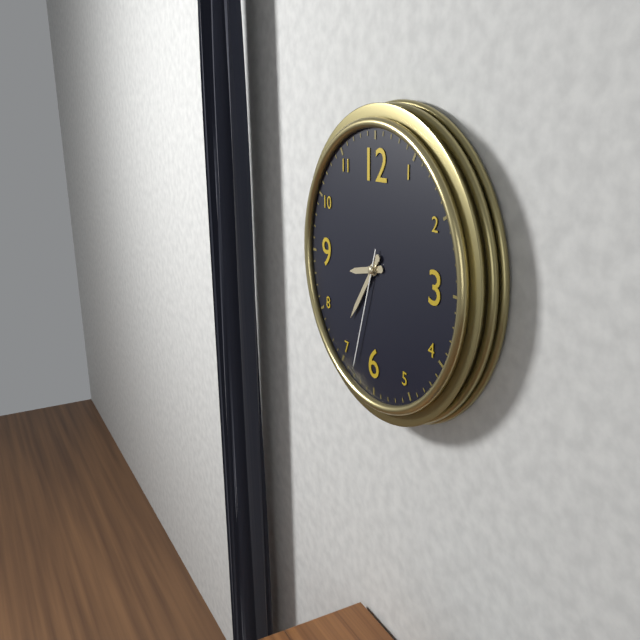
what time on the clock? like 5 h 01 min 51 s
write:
8 h 36 min 33 s
